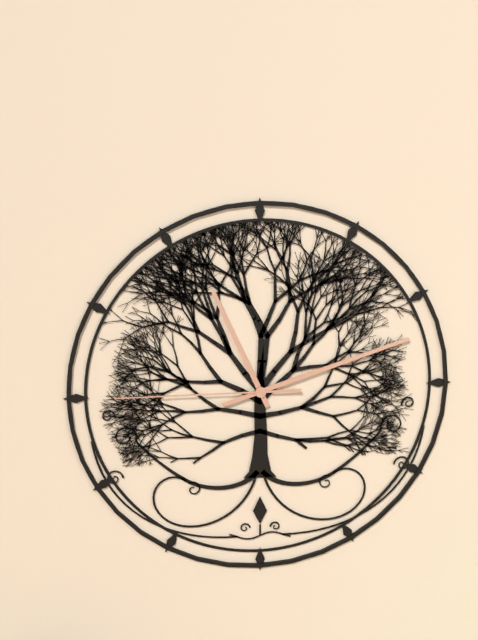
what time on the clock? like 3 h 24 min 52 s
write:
11 h 12 min 45 s
